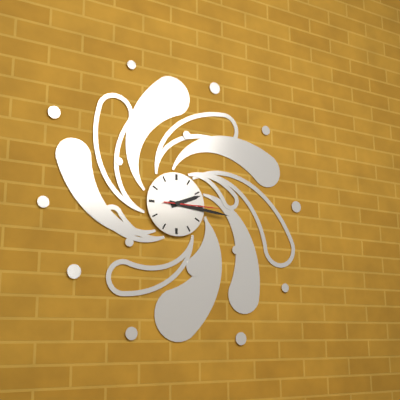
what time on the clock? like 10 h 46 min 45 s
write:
2 h 16 min 15 s
